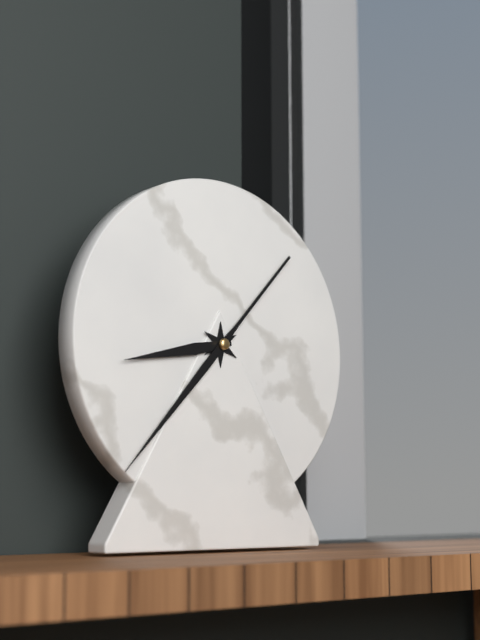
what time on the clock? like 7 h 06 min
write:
8 h 37 min
